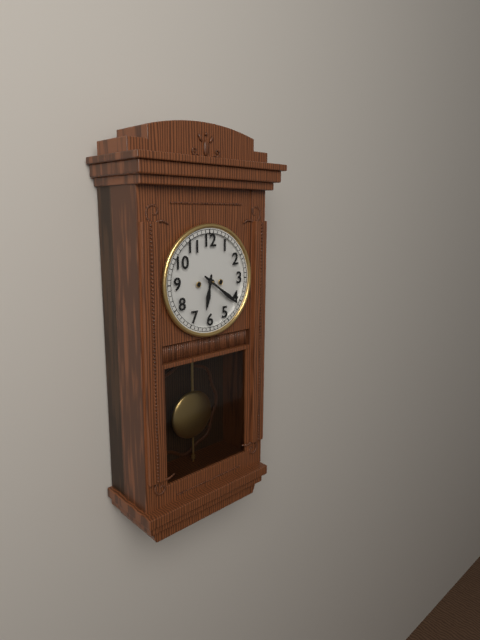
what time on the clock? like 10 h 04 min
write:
6 h 21 min
